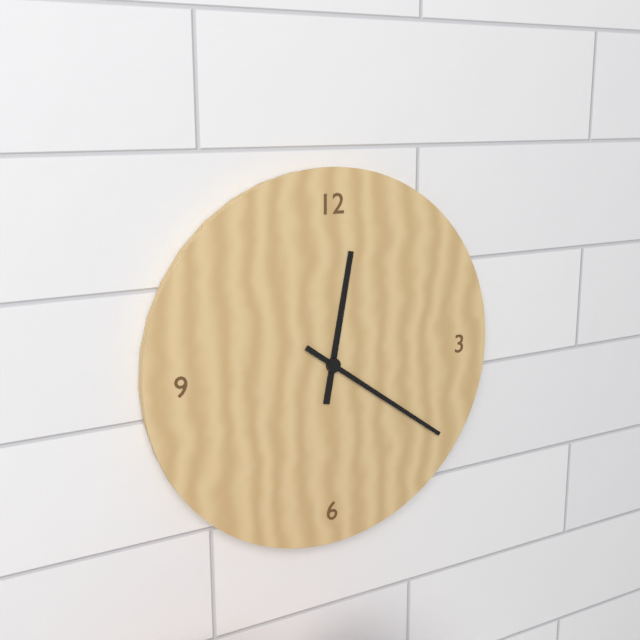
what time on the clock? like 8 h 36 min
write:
12 h 21 min
